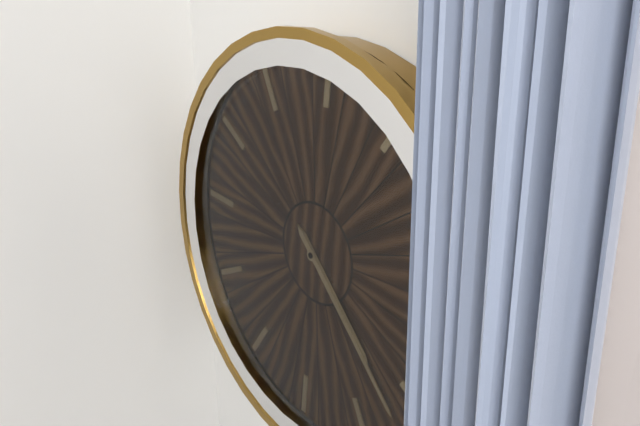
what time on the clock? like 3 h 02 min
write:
4 h 22 min
